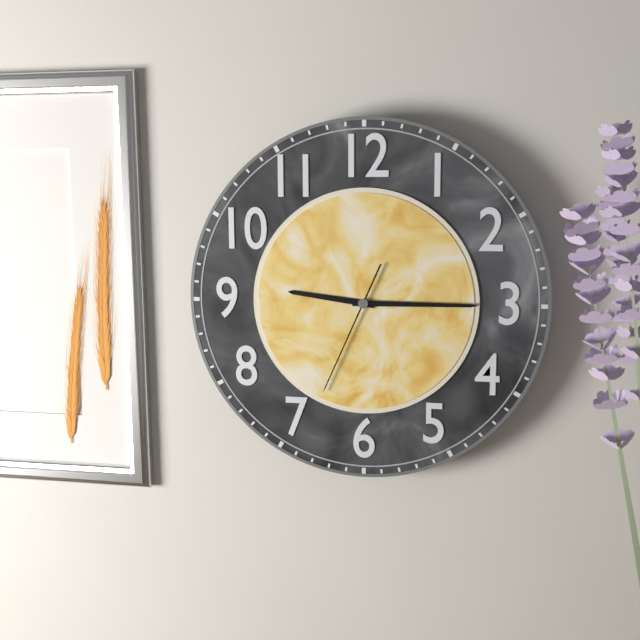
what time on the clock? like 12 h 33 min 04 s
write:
9 h 15 min 34 s
